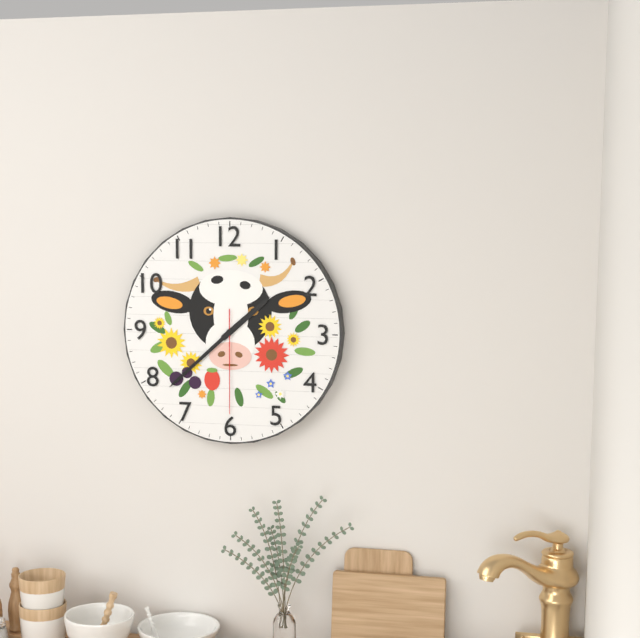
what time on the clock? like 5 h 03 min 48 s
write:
1 h 38 min 30 s
